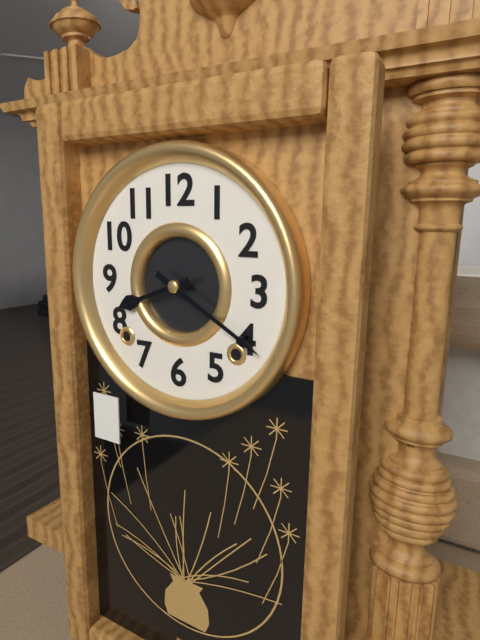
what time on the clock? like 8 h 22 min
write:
8 h 20 min
